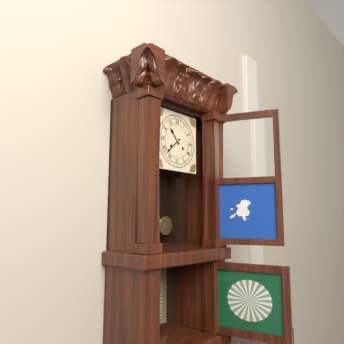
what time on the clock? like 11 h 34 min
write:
10 h 38 min
